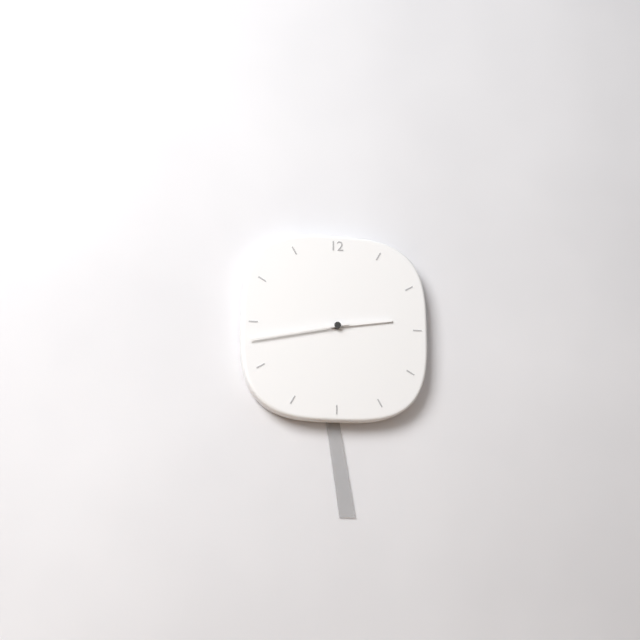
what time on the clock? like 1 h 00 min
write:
2 h 43 min
